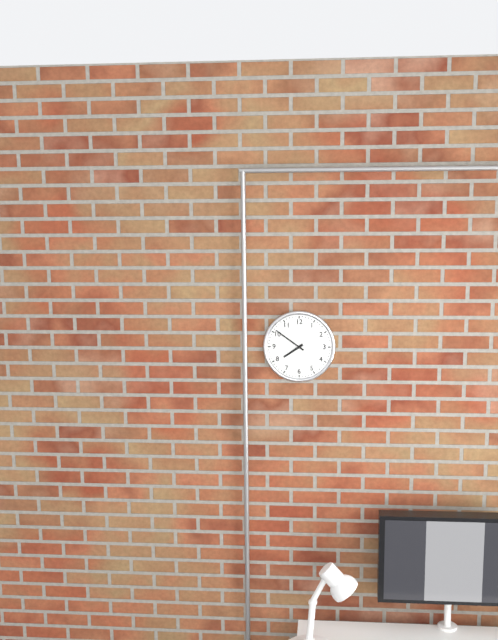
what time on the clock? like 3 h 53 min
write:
7 h 51 min
